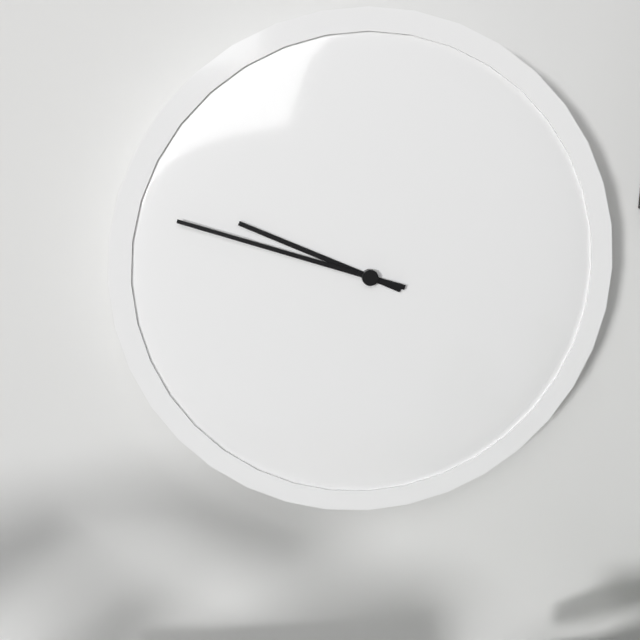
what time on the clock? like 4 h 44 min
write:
9 h 48 min
